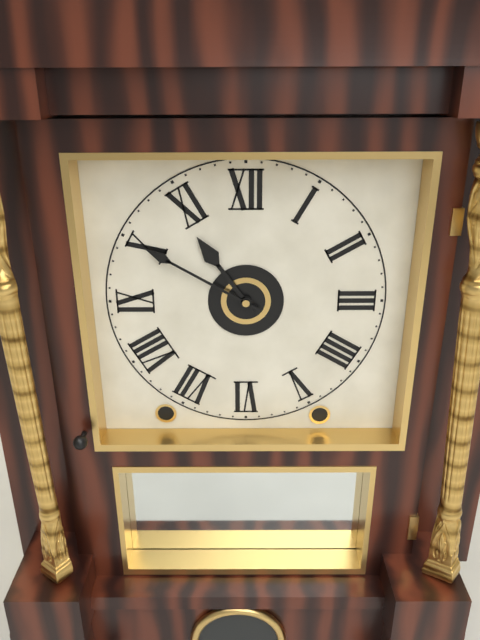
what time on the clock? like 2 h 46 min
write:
10 h 50 min
